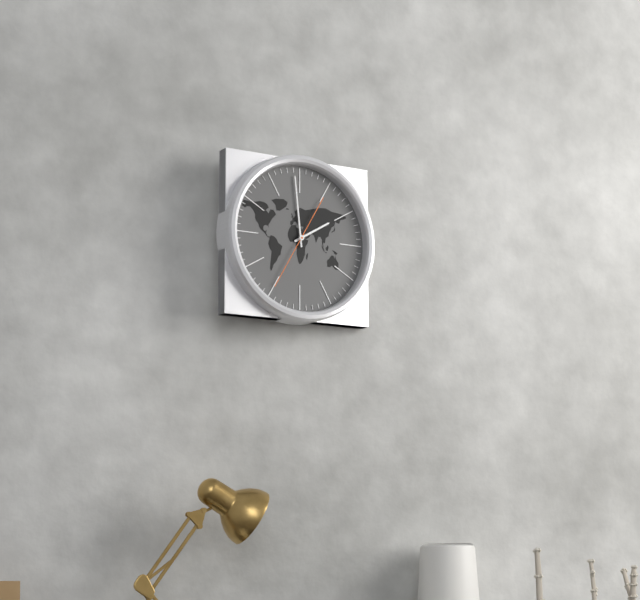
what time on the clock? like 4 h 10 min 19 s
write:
1 h 59 min 35 s
